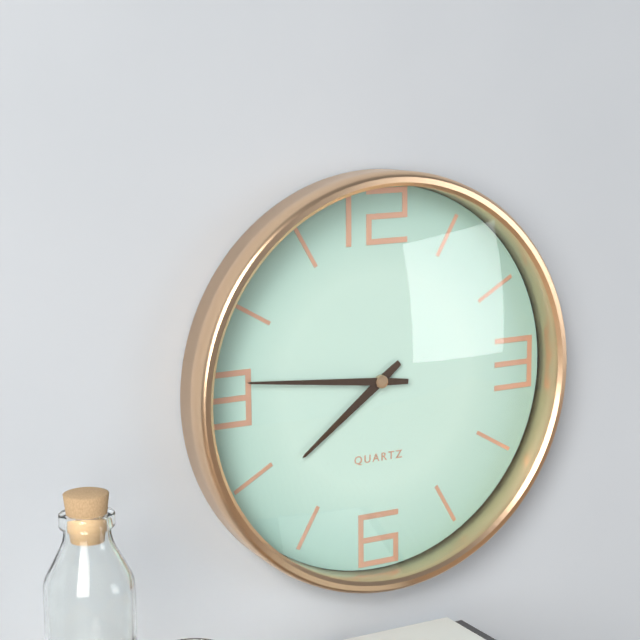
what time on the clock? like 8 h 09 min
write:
7 h 46 min
